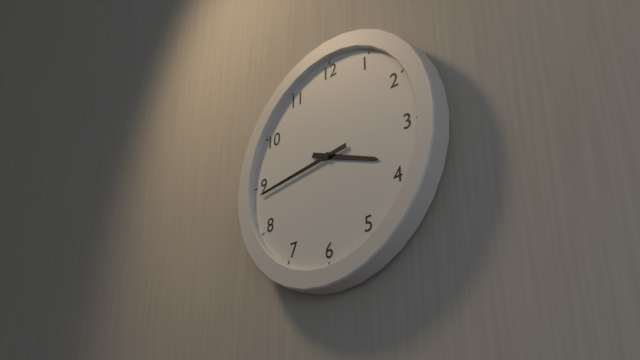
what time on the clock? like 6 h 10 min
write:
3 h 44 min
